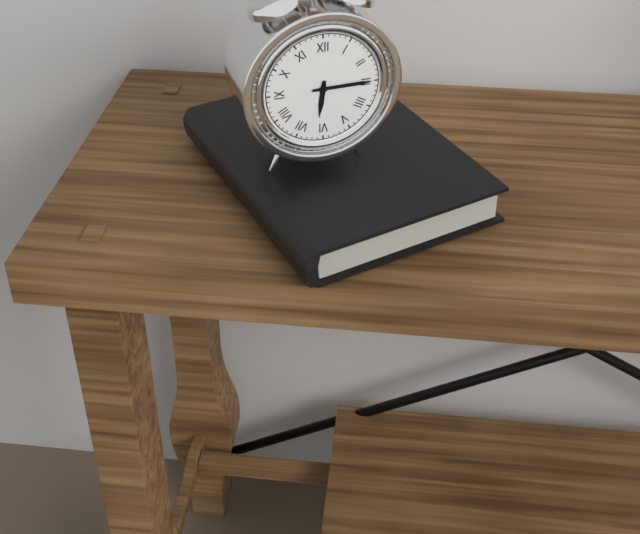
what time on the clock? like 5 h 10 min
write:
6 h 15 min
